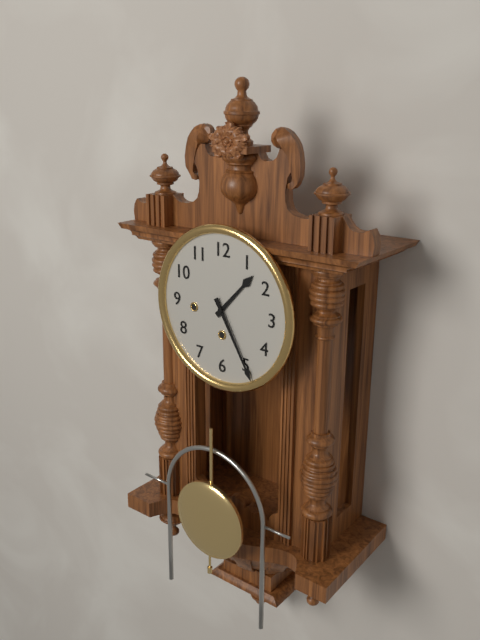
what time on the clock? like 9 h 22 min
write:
1 h 25 min
